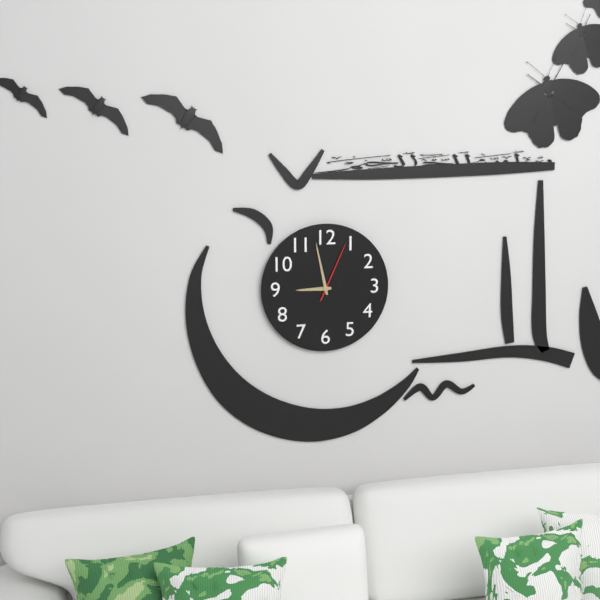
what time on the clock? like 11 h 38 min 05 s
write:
8 h 58 min 04 s
